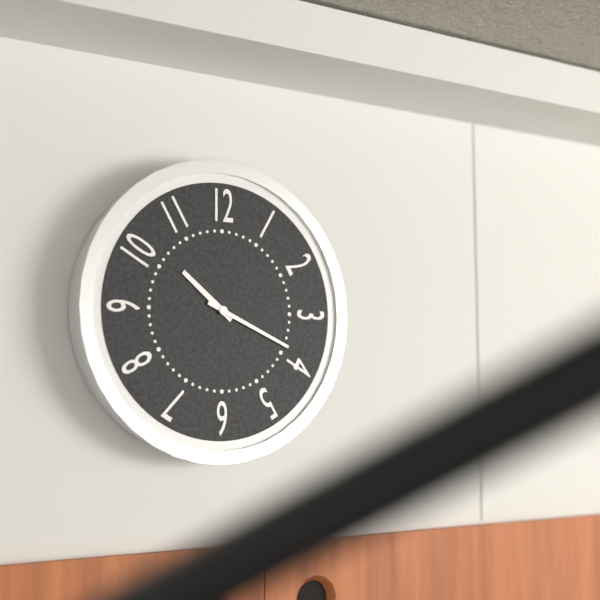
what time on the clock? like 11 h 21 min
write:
10 h 19 min
